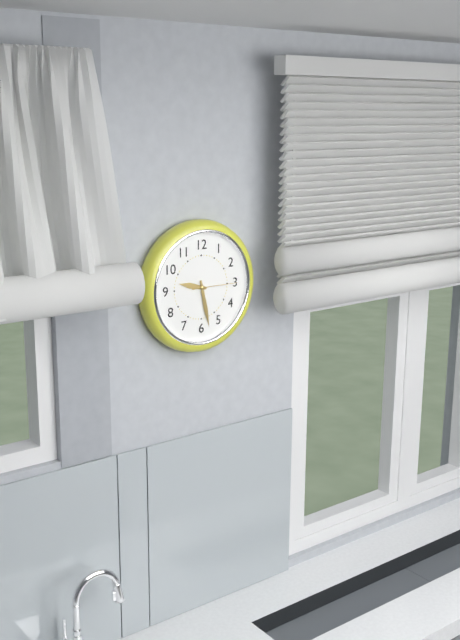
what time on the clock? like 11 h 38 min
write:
9 h 28 min
